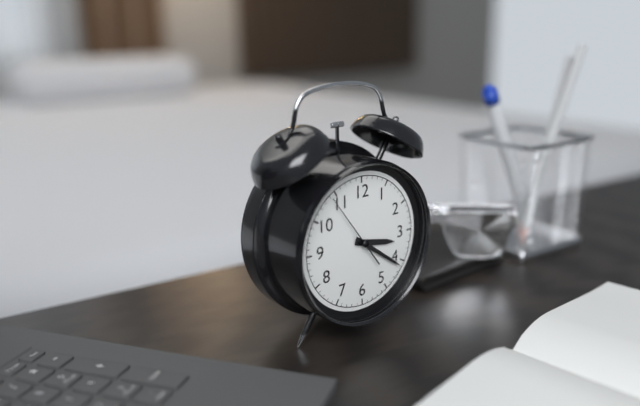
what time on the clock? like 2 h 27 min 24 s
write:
3 h 21 min 54 s
